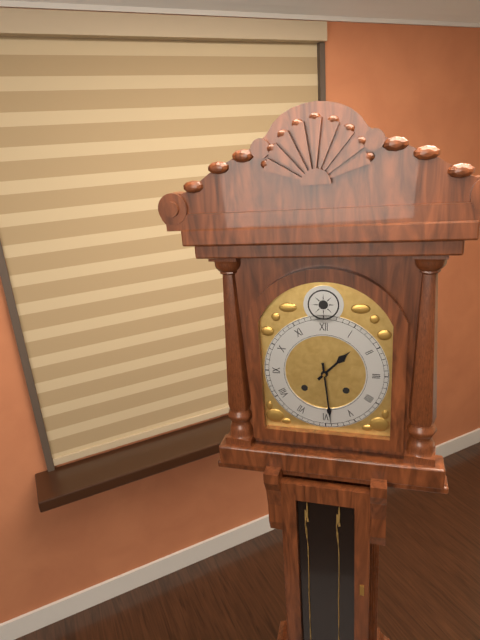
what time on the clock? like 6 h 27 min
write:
1 h 29 min
